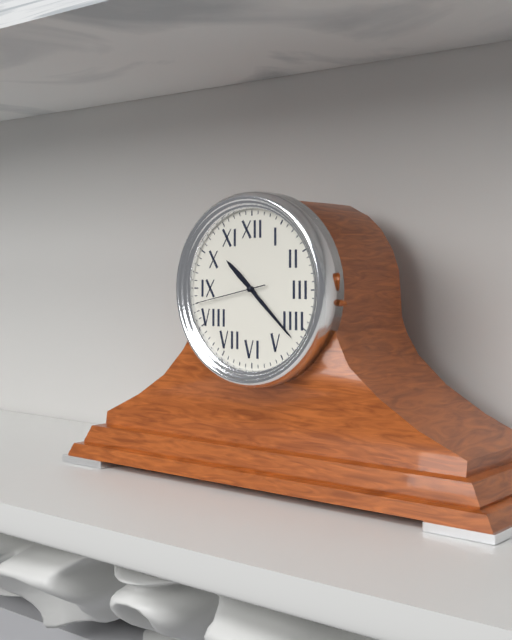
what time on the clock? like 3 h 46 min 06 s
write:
10 h 22 min 43 s
